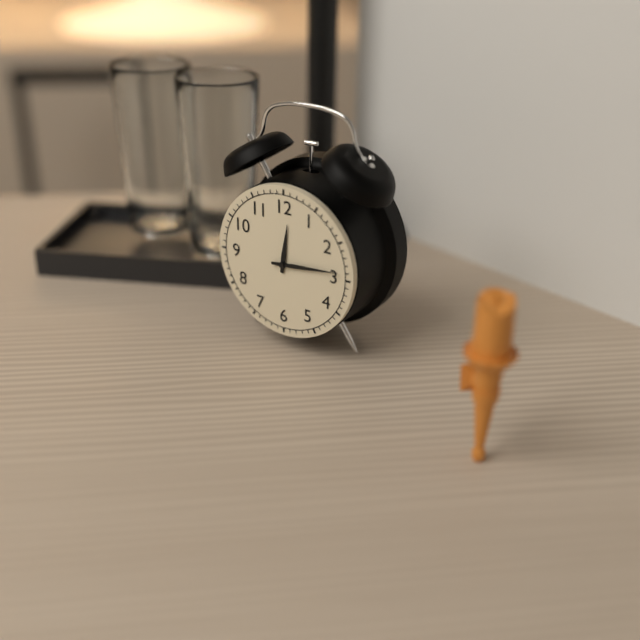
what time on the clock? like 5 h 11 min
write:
12 h 14 min
